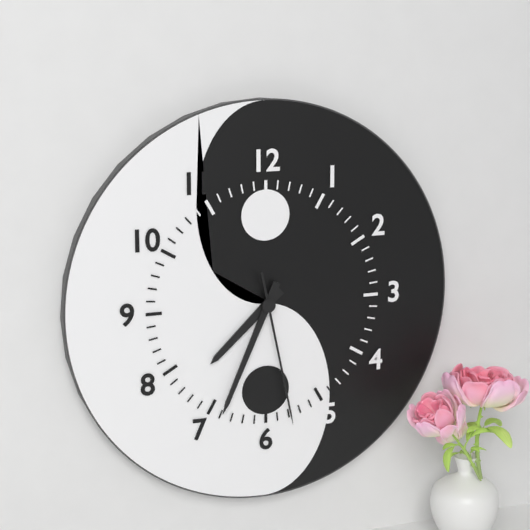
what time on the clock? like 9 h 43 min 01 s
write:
7 h 34 min 28 s
